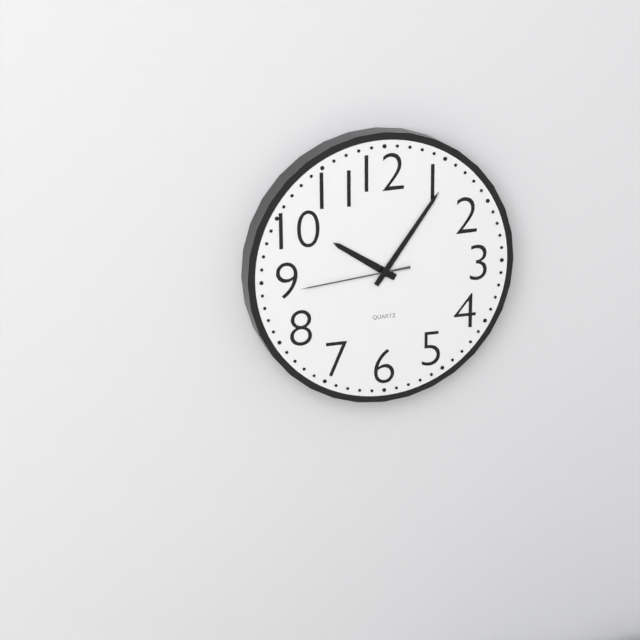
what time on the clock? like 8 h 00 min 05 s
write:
10 h 06 min 44 s
